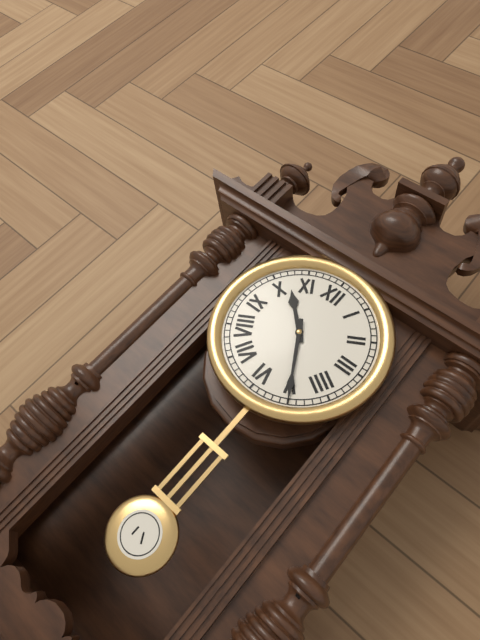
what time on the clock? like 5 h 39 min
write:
10 h 25 min
